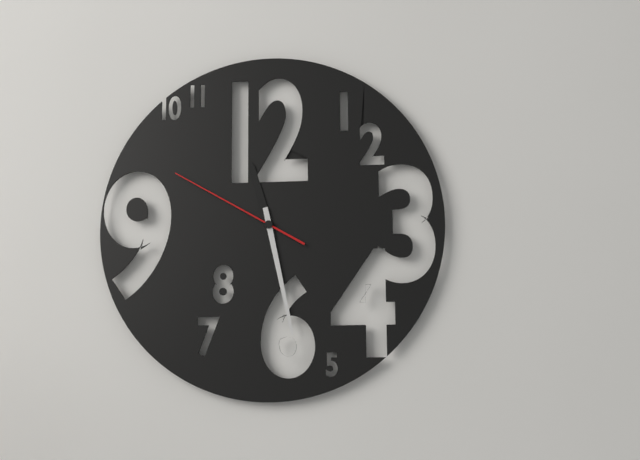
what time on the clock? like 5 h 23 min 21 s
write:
11 h 28 min 50 s
